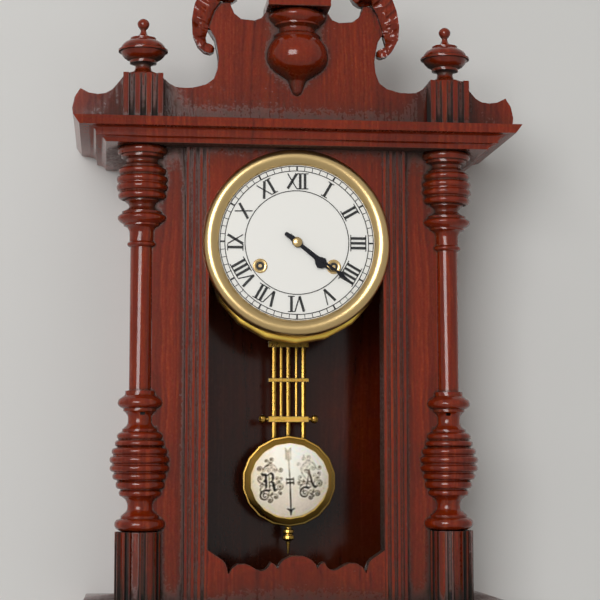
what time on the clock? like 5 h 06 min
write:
4 h 21 min
